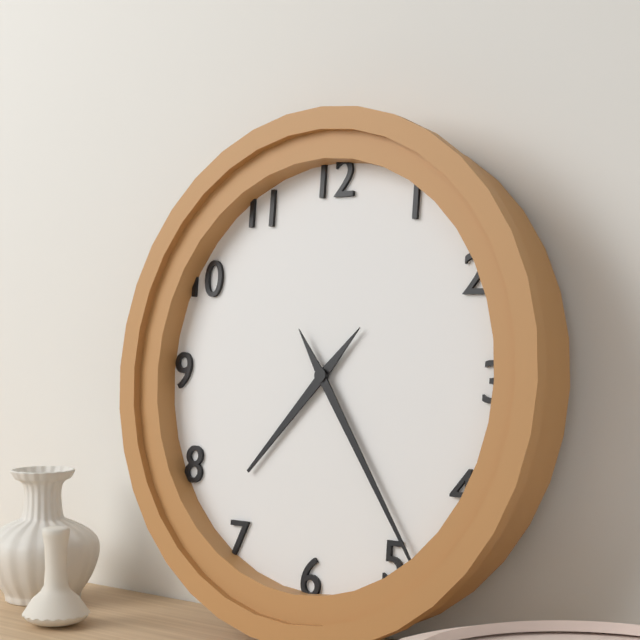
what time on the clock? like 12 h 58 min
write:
7 h 24 min
